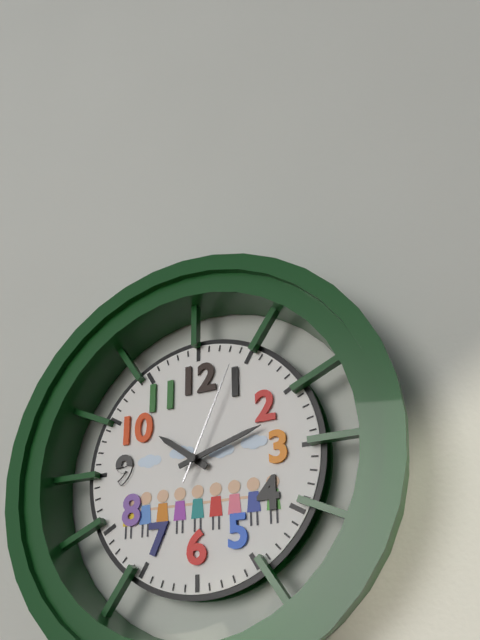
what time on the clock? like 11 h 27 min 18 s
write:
10 h 12 min 04 s
